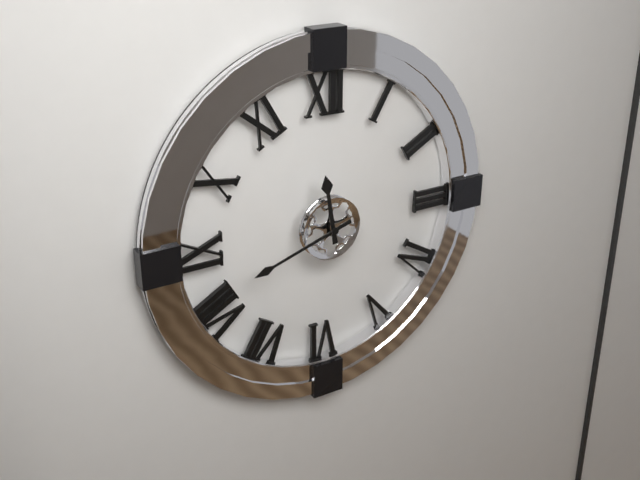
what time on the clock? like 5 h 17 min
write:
11 h 42 min
